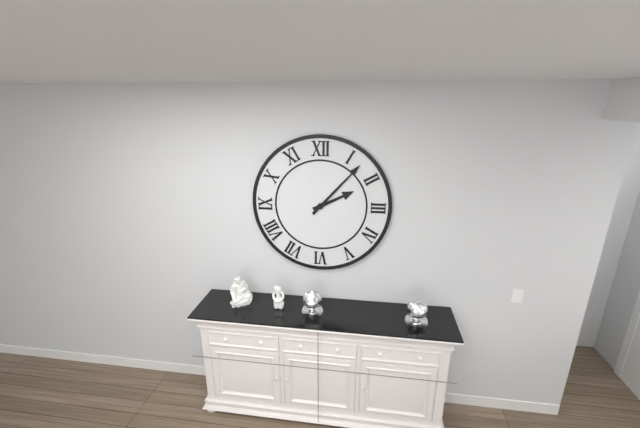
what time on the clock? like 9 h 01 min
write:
2 h 07 min
